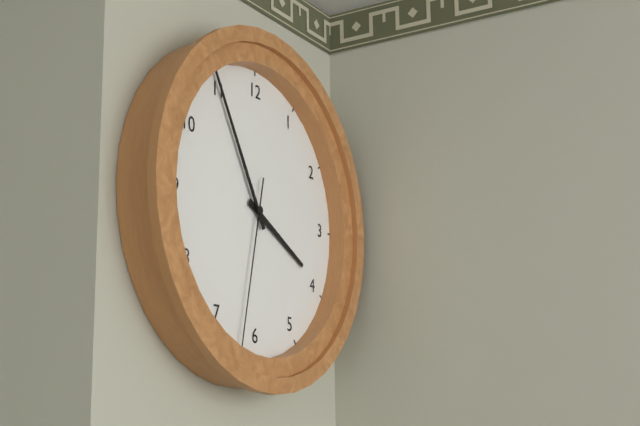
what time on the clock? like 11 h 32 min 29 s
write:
3 h 55 min 32 s
